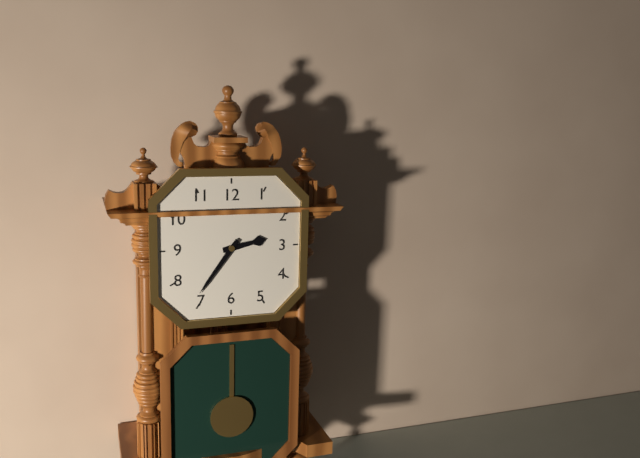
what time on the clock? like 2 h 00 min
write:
2 h 36 min
